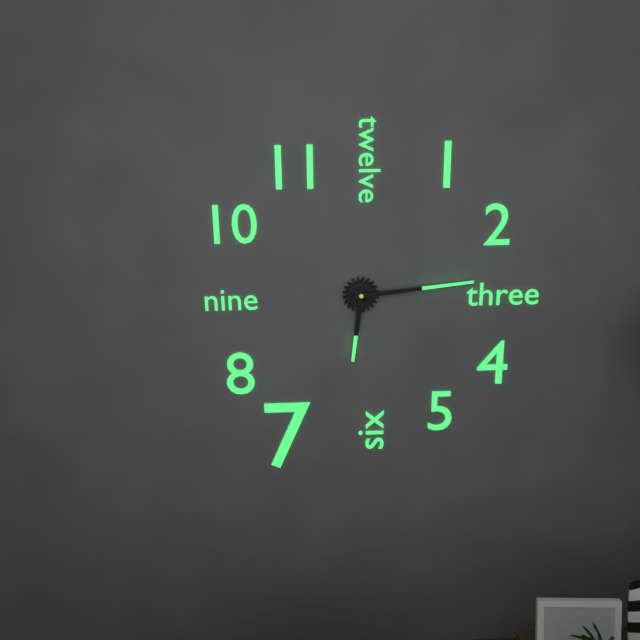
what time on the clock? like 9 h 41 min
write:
6 h 14 min
